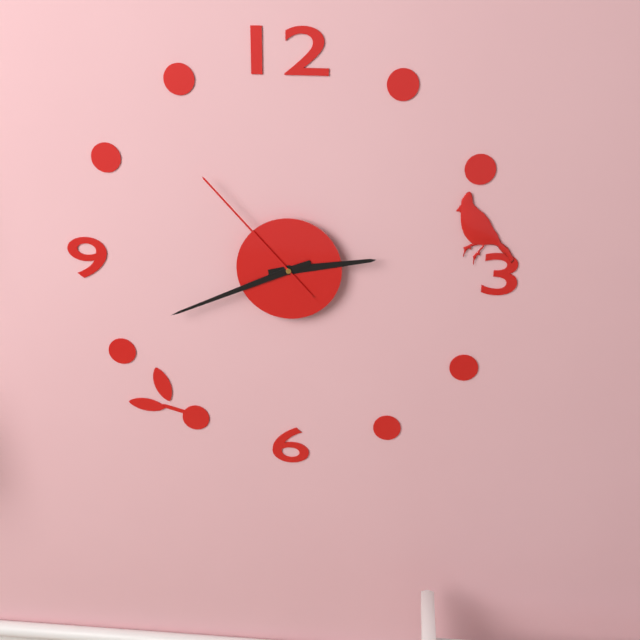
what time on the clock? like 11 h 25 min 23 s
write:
2 h 41 min 53 s
